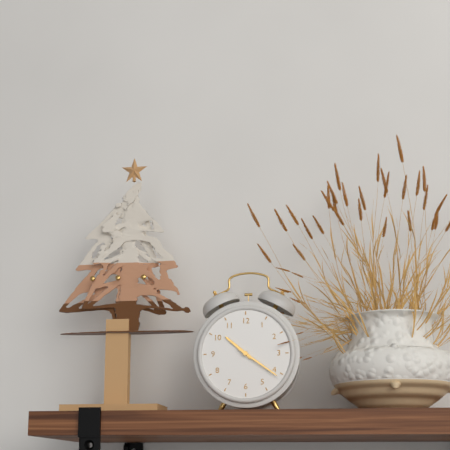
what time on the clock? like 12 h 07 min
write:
10 h 21 min
